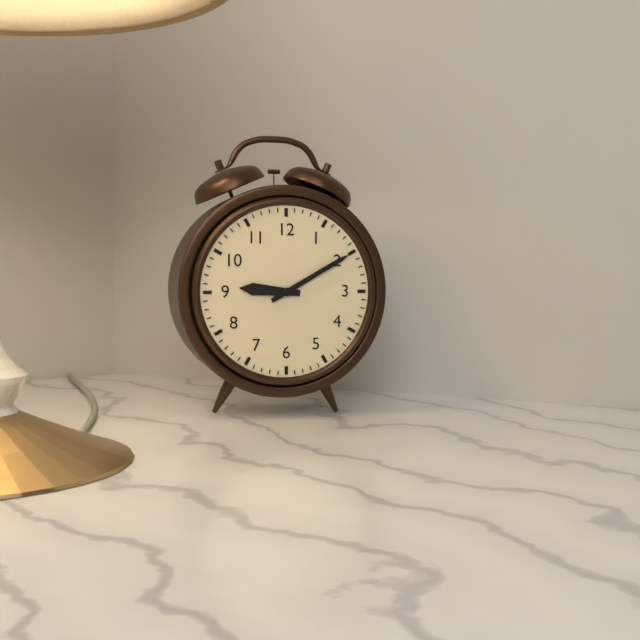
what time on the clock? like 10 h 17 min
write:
9 h 10 min
